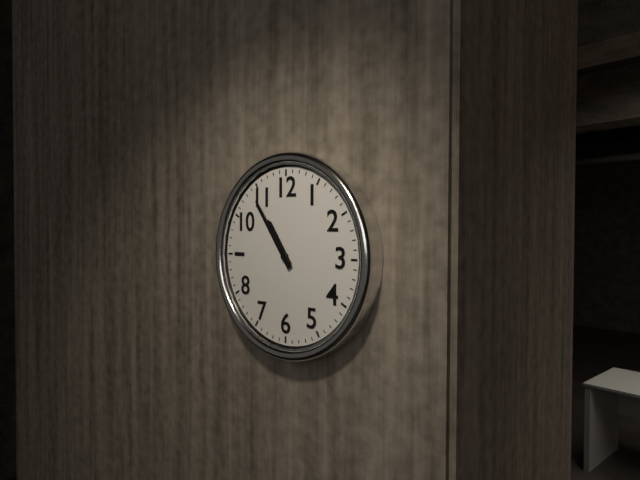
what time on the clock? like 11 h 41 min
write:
10 h 54 min
